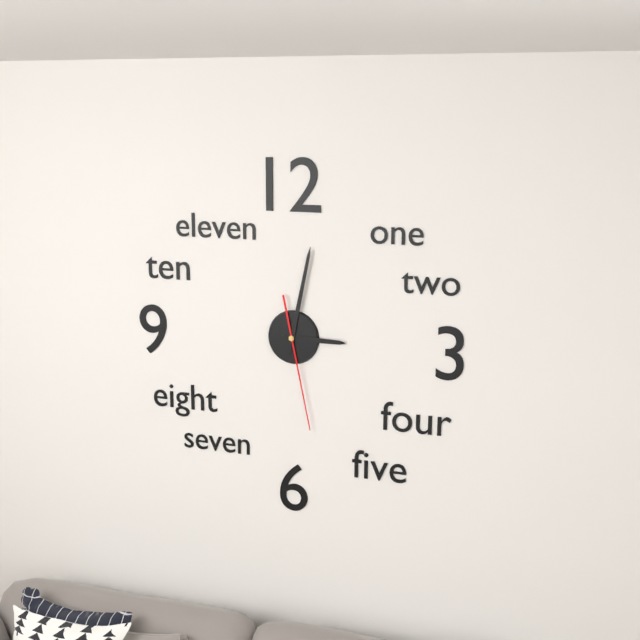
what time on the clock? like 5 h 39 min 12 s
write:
3 h 02 min 28 s
